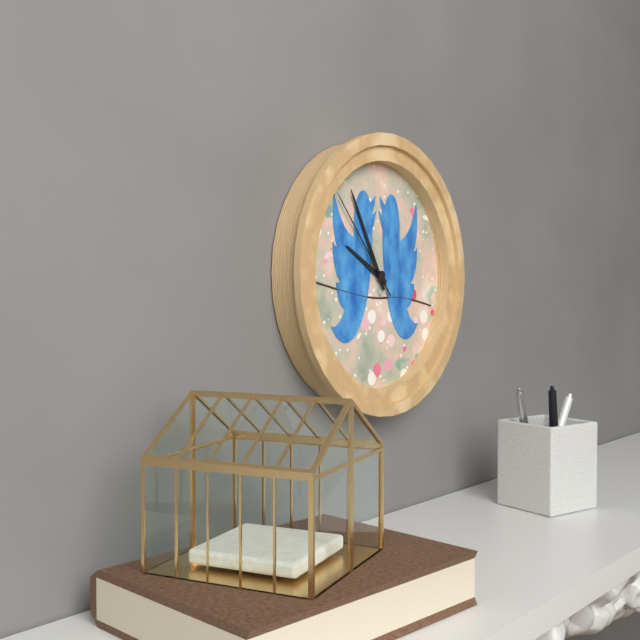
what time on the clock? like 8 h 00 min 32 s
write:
9 h 55 min 53 s
